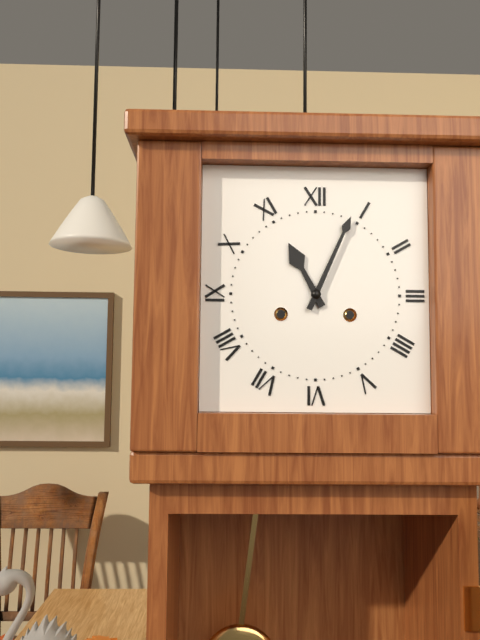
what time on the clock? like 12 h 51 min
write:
11 h 04 min
